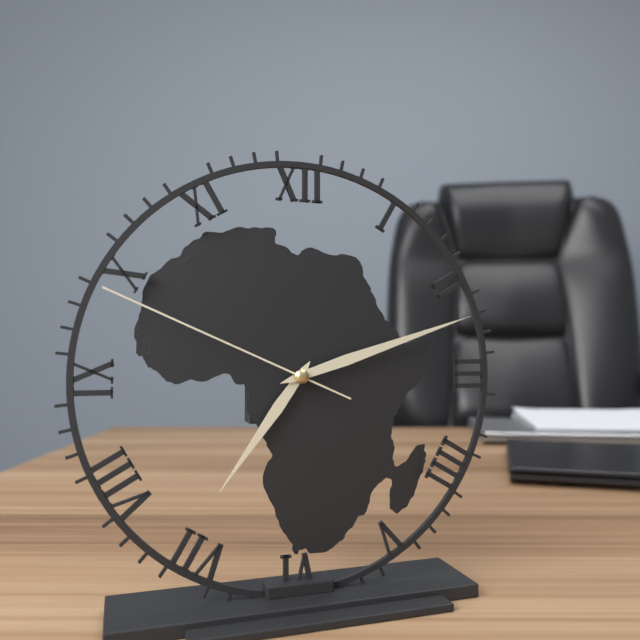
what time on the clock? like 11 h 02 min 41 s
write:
7 h 12 min 49 s
